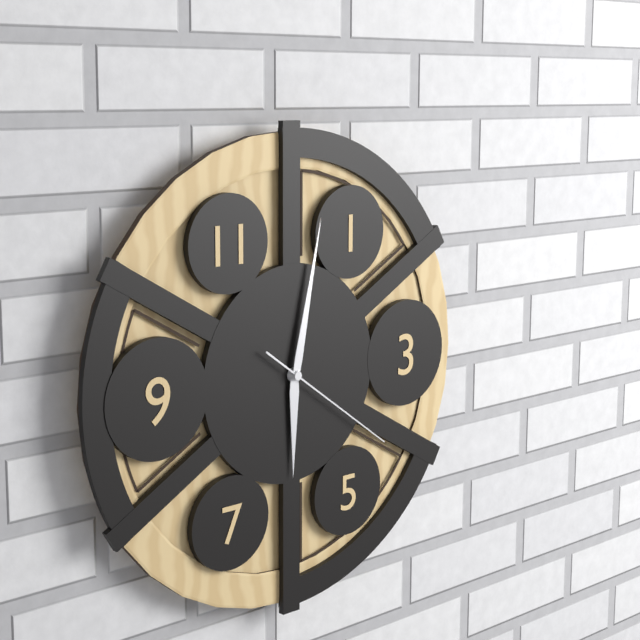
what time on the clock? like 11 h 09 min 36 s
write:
6 h 02 min 21 s
